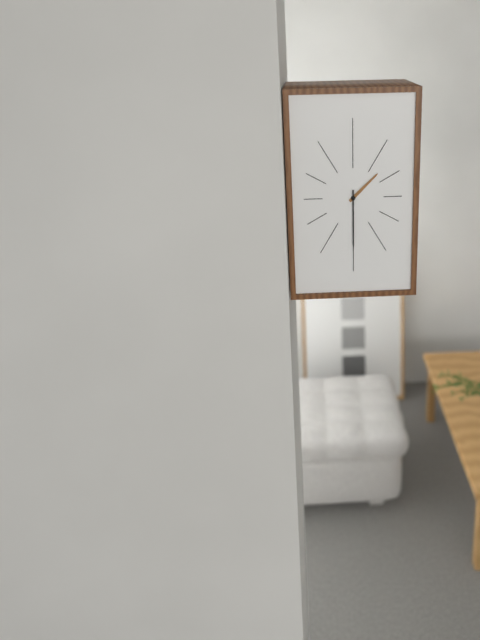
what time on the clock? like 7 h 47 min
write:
1 h 30 min
